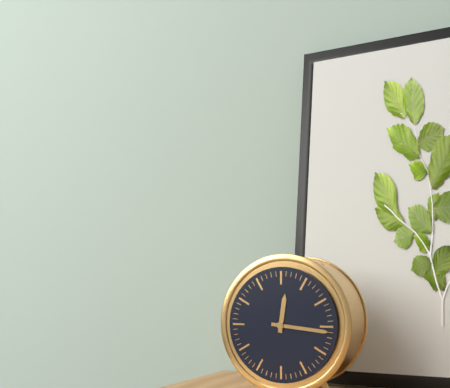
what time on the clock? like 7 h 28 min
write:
12 h 16 min
